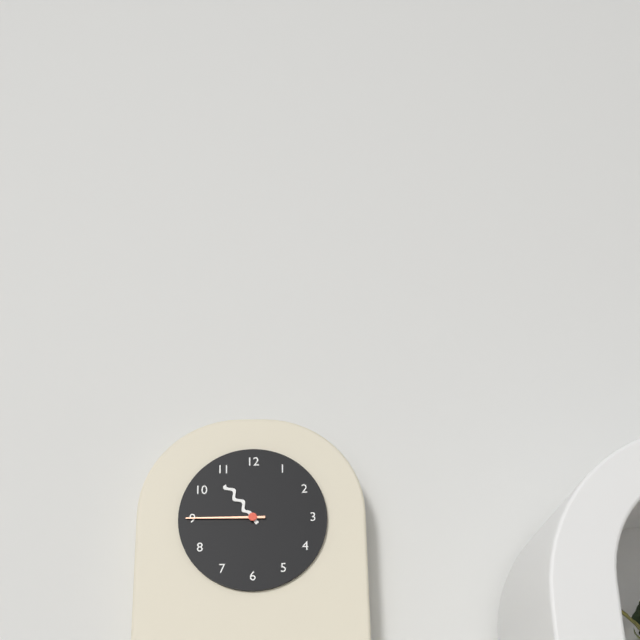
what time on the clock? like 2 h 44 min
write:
10 h 45 min
